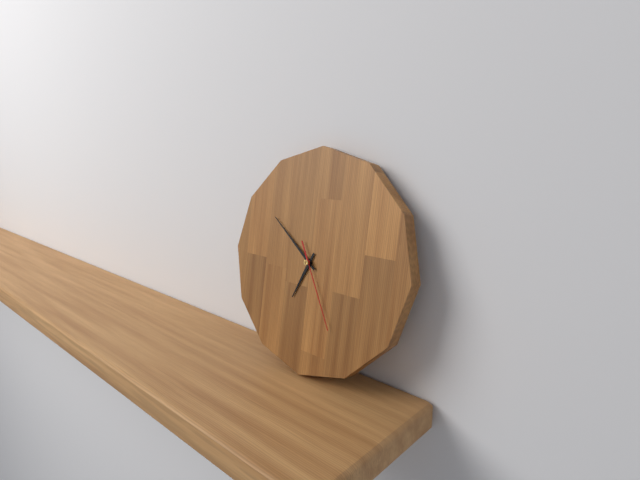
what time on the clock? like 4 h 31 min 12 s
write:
6 h 51 min 25 s
